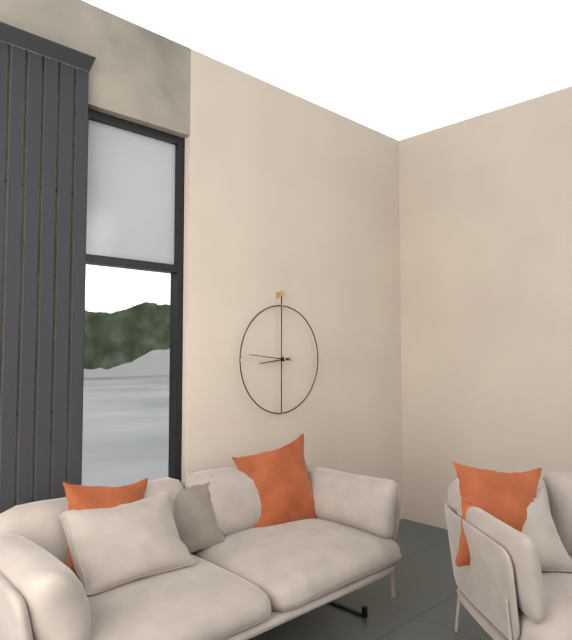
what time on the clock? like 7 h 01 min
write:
8 h 46 min
